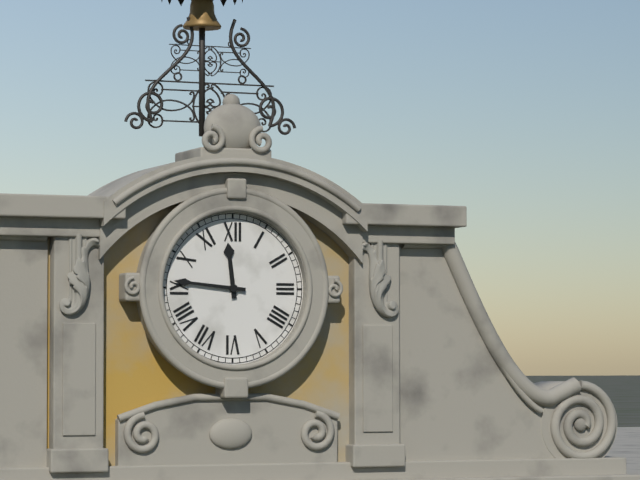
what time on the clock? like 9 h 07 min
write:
11 h 46 min
